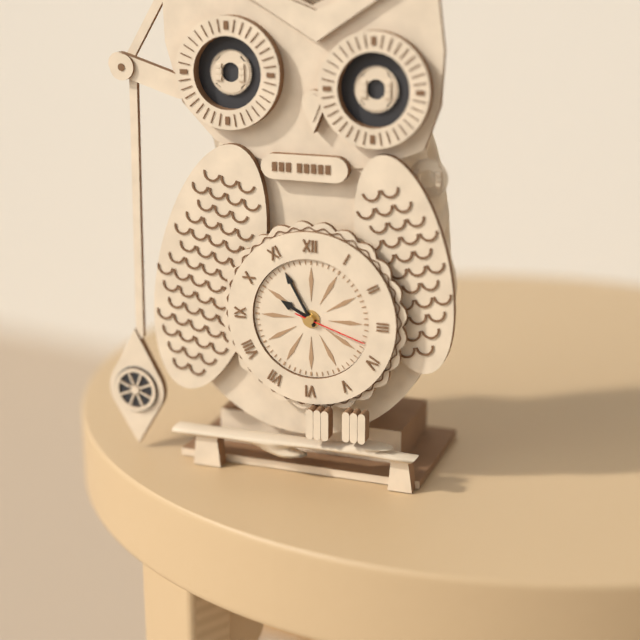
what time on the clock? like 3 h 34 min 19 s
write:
9 h 55 min 18 s
